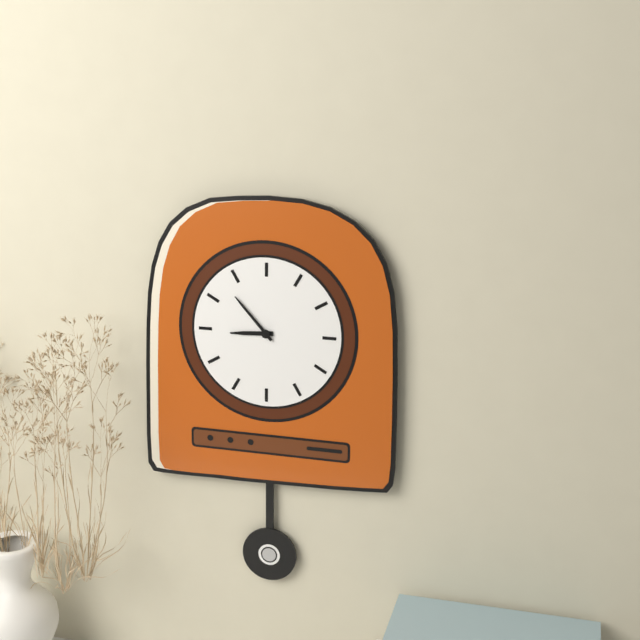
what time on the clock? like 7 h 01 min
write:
8 h 53 min
